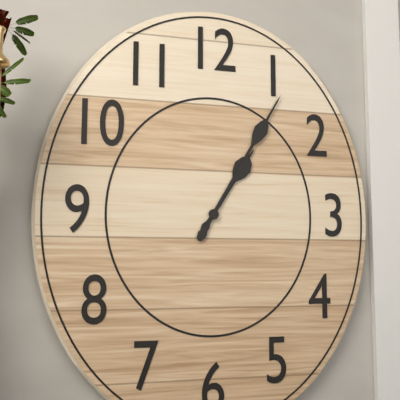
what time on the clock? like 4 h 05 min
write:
1 h 05 min
